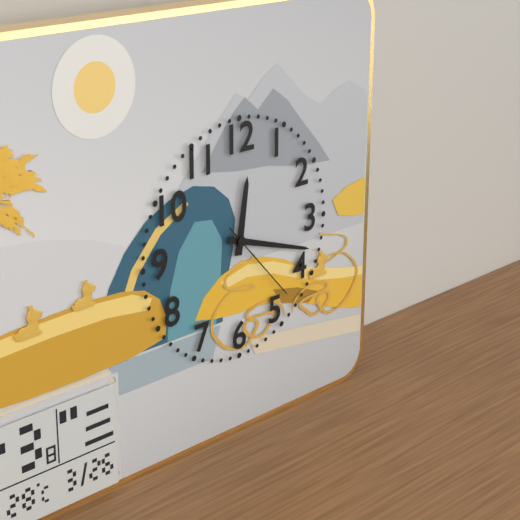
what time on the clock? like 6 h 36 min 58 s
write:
12 h 18 min 23 s
